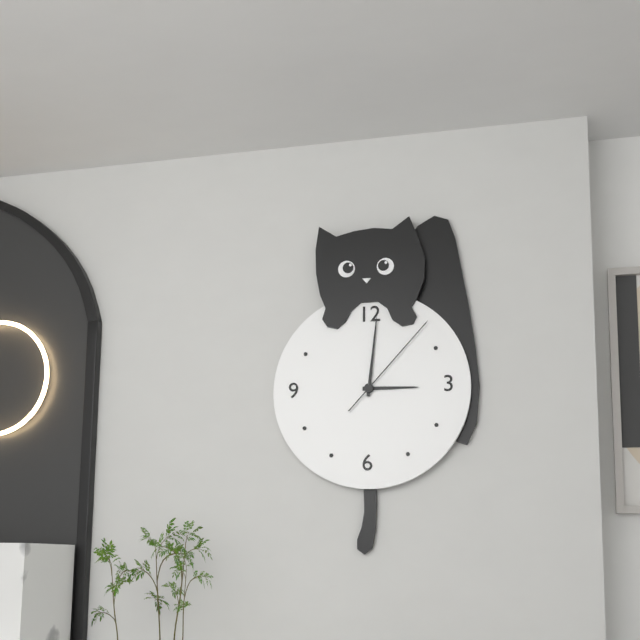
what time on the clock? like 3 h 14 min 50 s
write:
3 h 01 min 07 s
